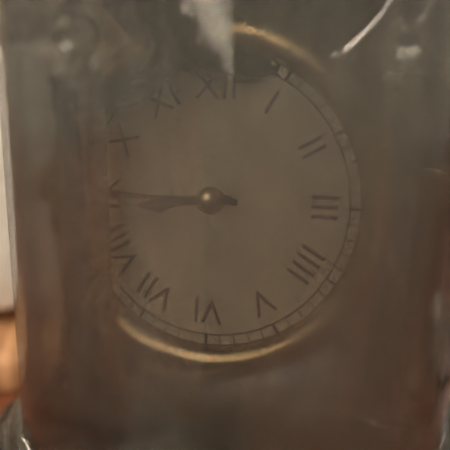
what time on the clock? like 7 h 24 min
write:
8 h 45 min
